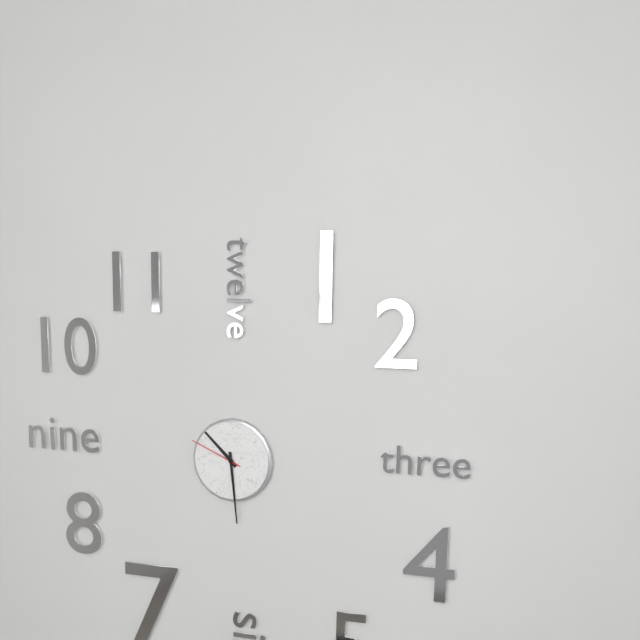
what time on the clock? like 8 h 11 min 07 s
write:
10 h 29 min 49 s
